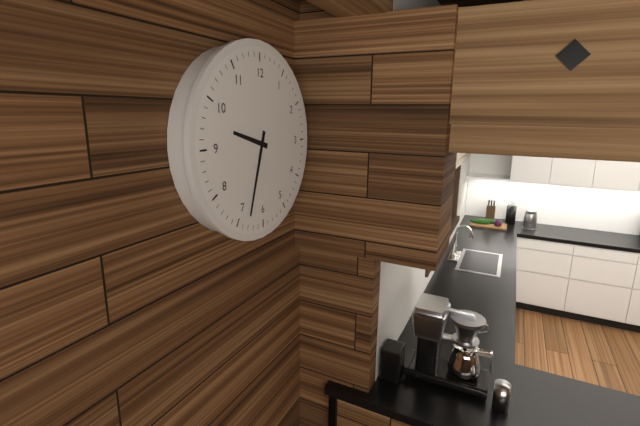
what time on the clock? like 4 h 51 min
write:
9 h 33 min
